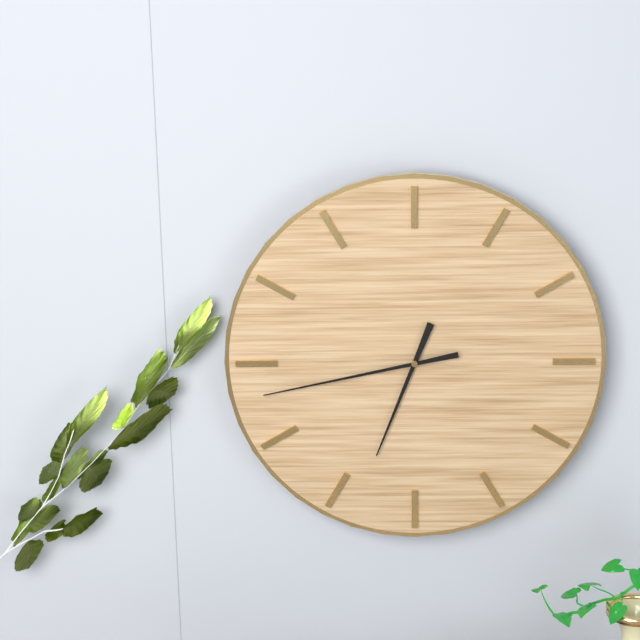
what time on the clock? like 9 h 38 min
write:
6 h 43 min
